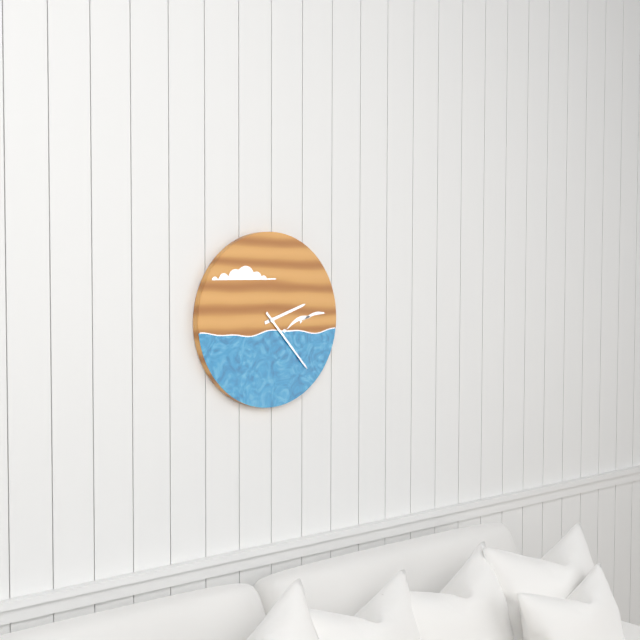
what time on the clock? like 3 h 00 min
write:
2 h 23 min
